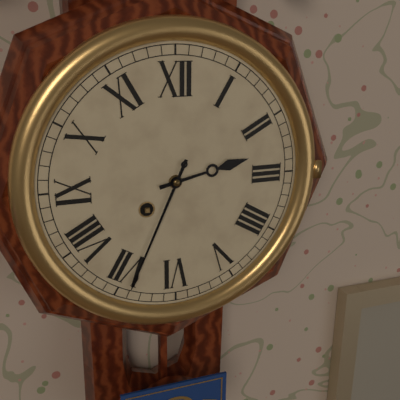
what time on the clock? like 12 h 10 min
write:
2 h 34 min
